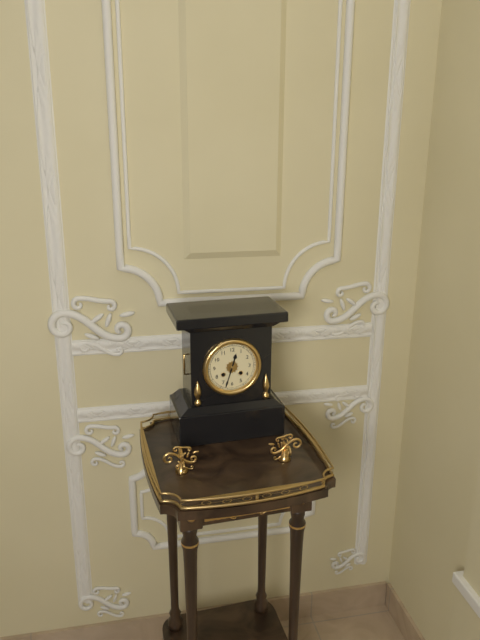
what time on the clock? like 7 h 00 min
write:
12 h 33 min
